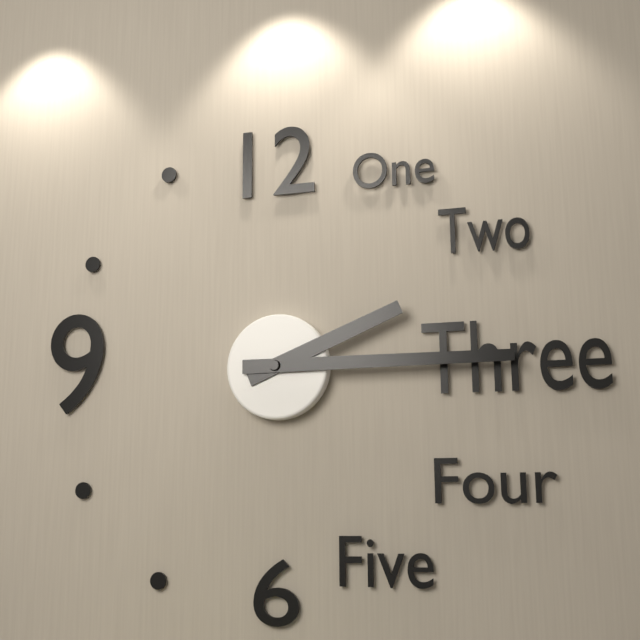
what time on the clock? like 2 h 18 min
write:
2 h 15 min
